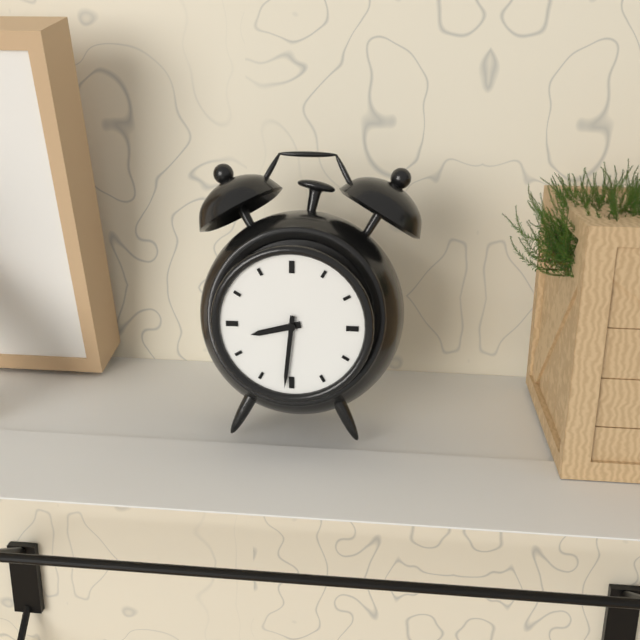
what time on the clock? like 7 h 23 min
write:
8 h 31 min
